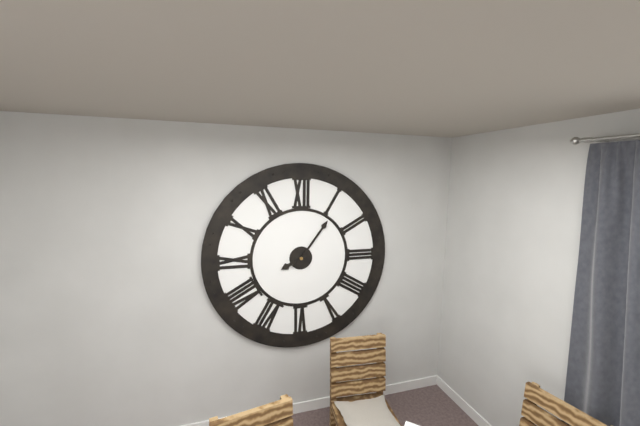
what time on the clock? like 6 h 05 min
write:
8 h 06 min
